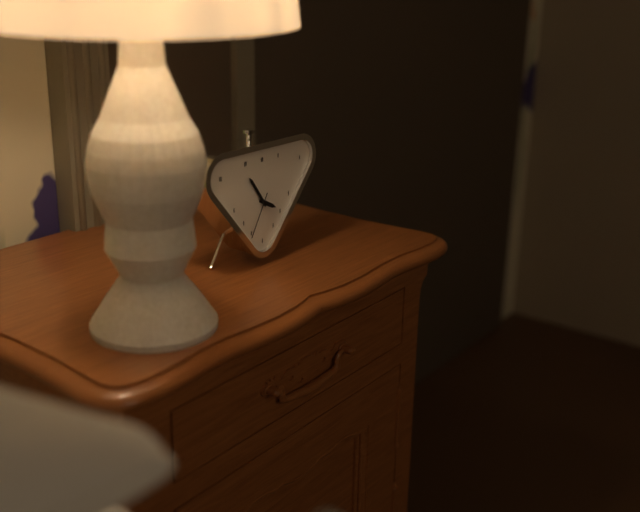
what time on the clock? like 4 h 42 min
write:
3 h 54 min
